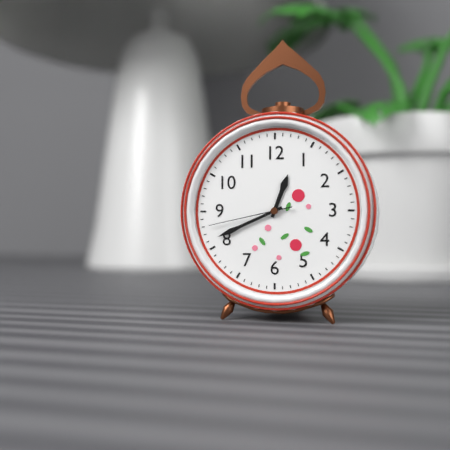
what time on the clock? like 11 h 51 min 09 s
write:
12 h 41 min 43 s
